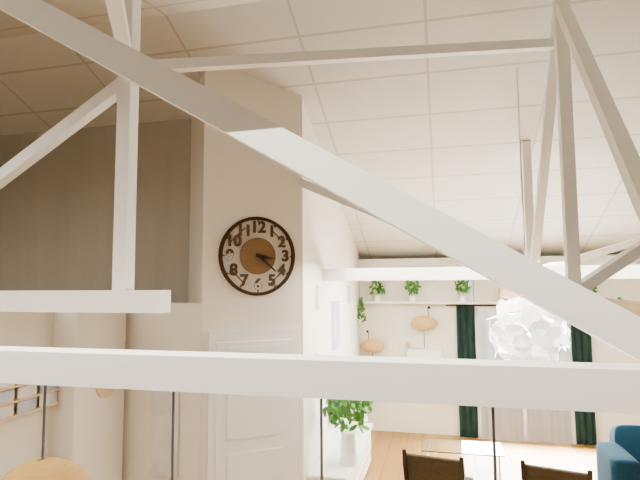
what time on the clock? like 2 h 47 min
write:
3 h 22 min
